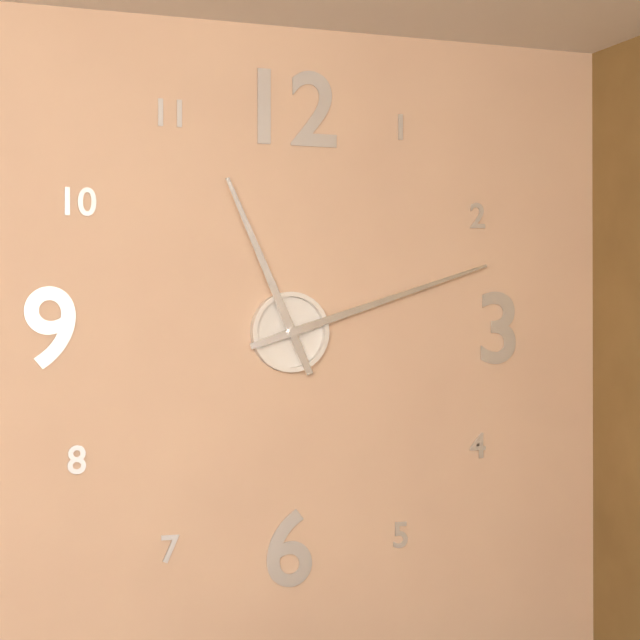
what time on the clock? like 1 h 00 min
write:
11 h 12 min
